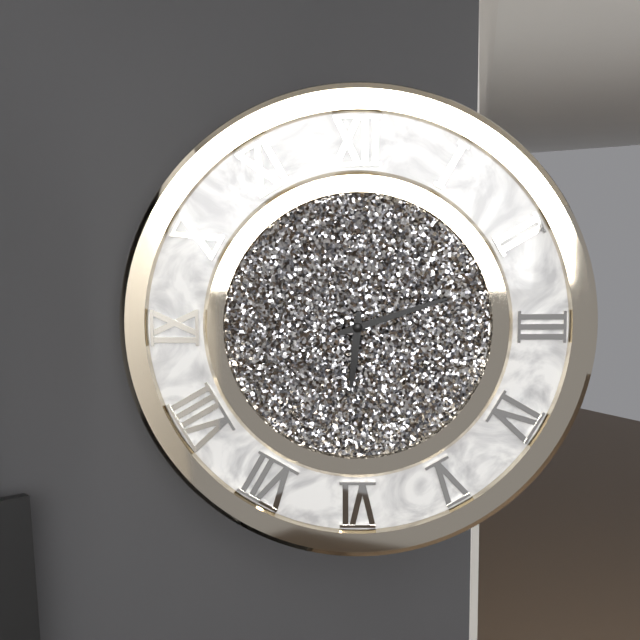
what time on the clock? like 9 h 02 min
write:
6 h 12 min
